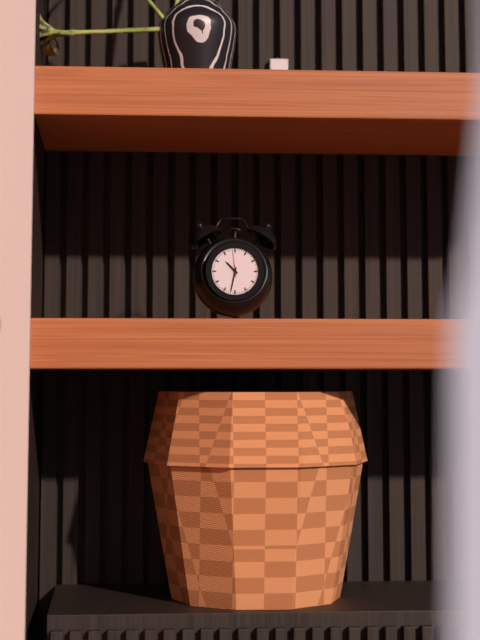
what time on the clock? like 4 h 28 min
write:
10 h 32 min
